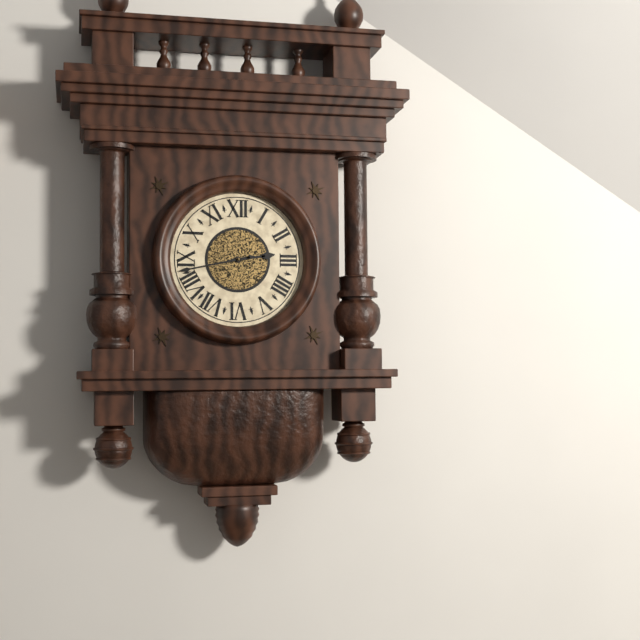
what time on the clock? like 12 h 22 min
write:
2 h 43 min
